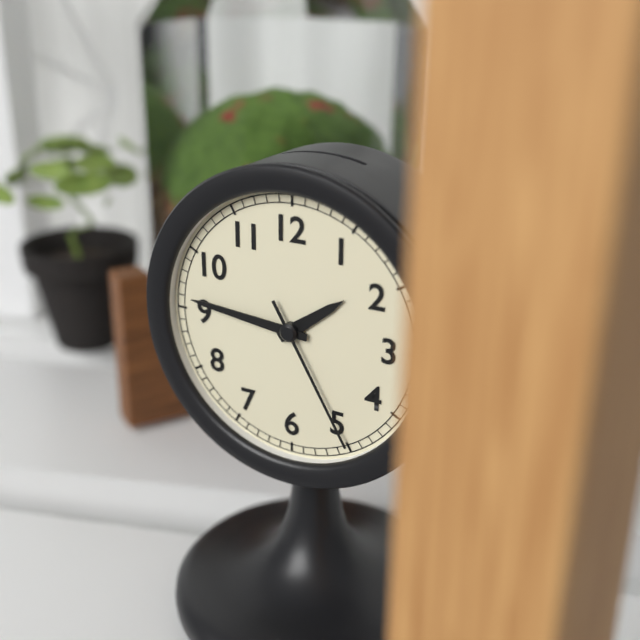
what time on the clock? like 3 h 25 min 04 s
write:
1 h 46 min 25 s
